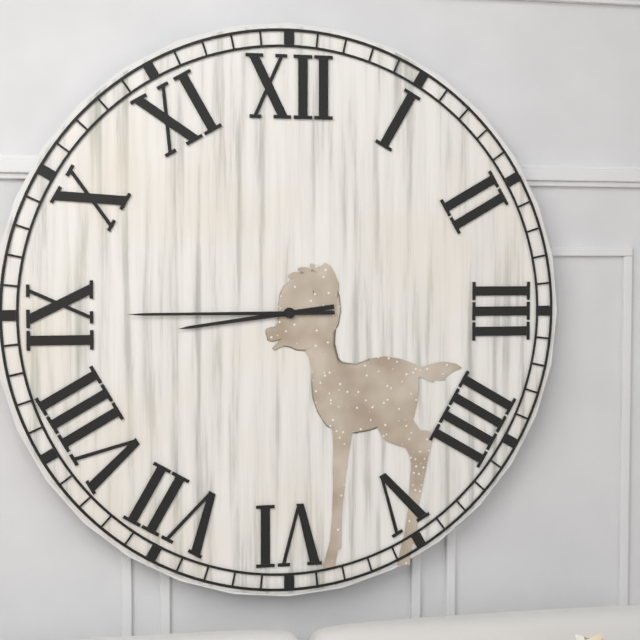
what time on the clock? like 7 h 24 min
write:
8 h 45 min
